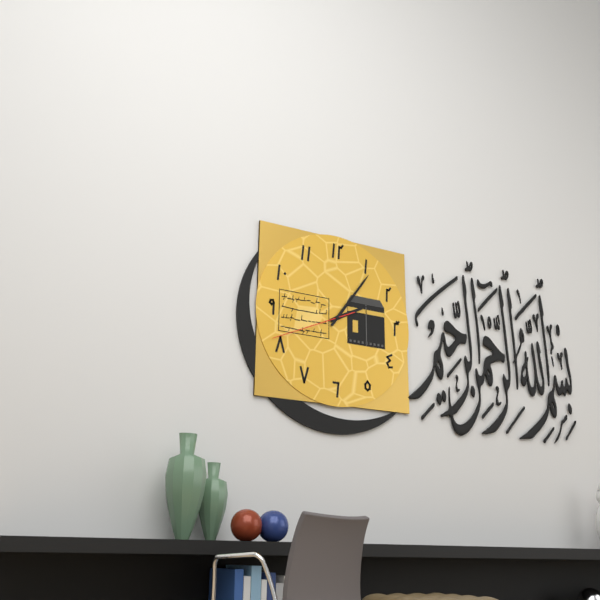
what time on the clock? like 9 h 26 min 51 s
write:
2 h 06 min 41 s
